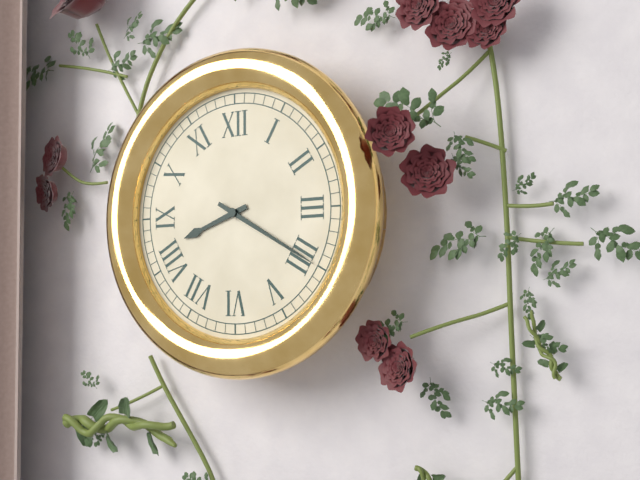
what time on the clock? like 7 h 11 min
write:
8 h 20 min
